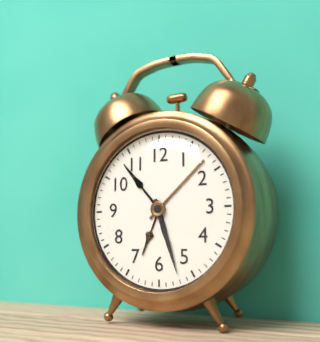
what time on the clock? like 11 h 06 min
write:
5 h 27 min
